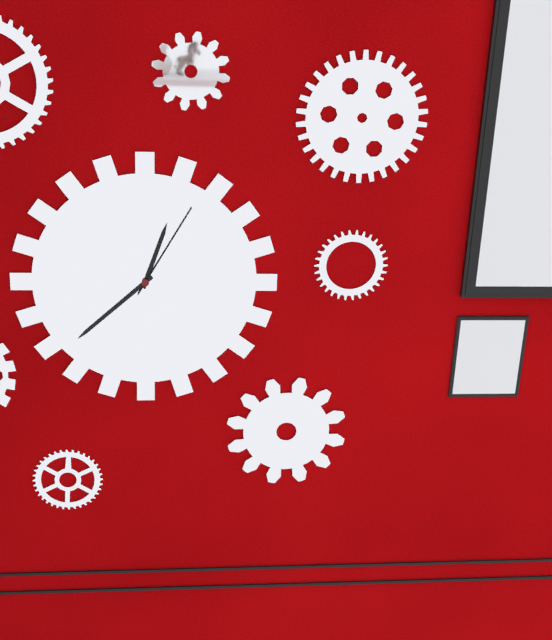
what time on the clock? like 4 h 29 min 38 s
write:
12 h 38 min 05 s
